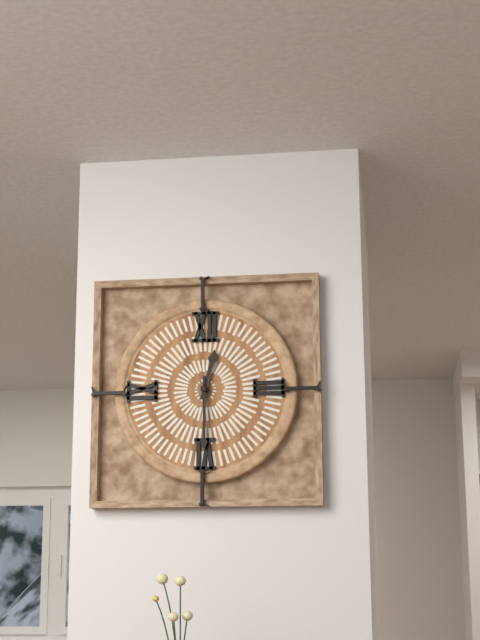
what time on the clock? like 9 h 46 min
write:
12 h 30 min
